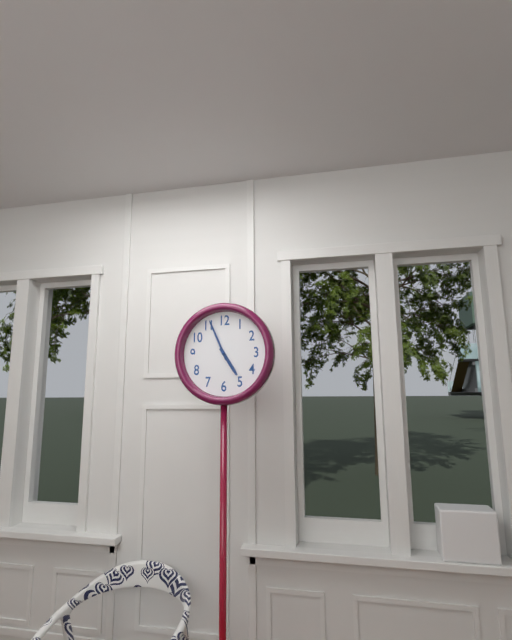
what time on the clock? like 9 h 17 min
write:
4 h 56 min
